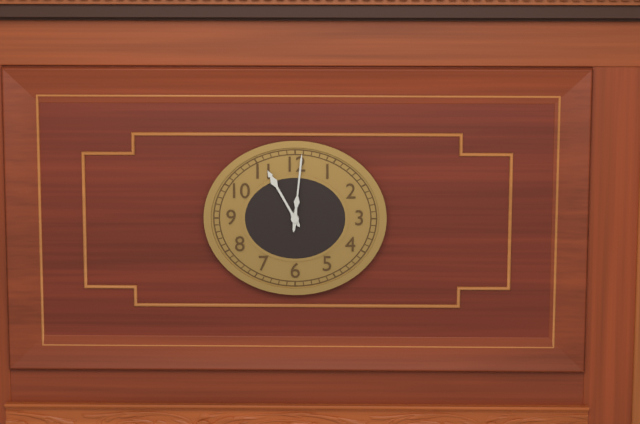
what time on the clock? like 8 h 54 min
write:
11 h 01 min
